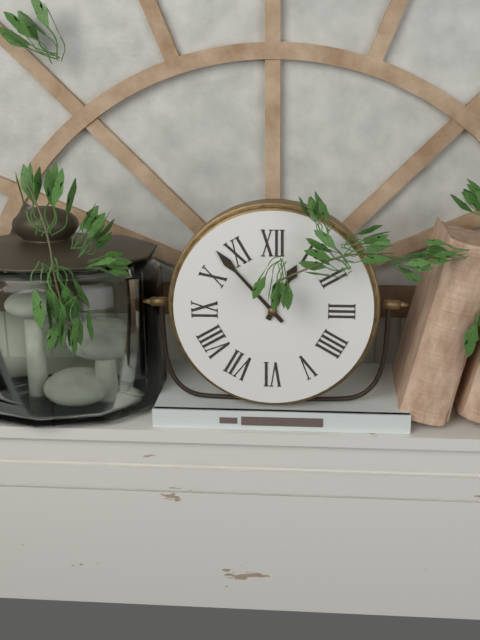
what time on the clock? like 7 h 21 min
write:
12 h 53 min
